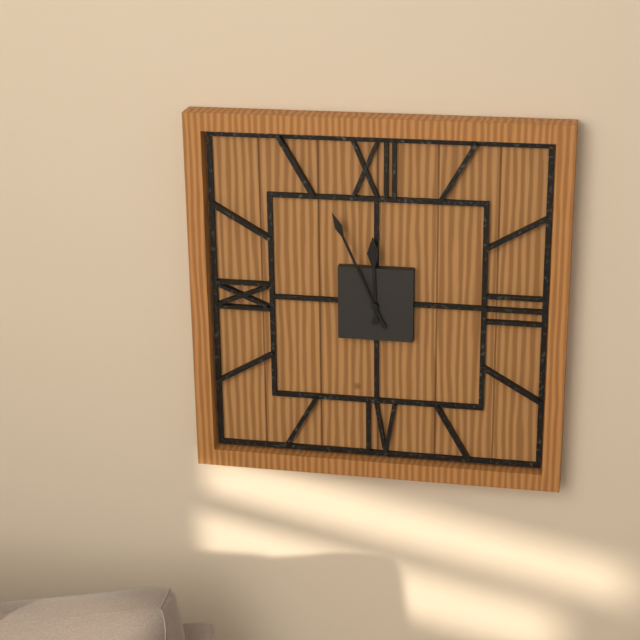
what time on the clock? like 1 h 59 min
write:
11 h 56 min
